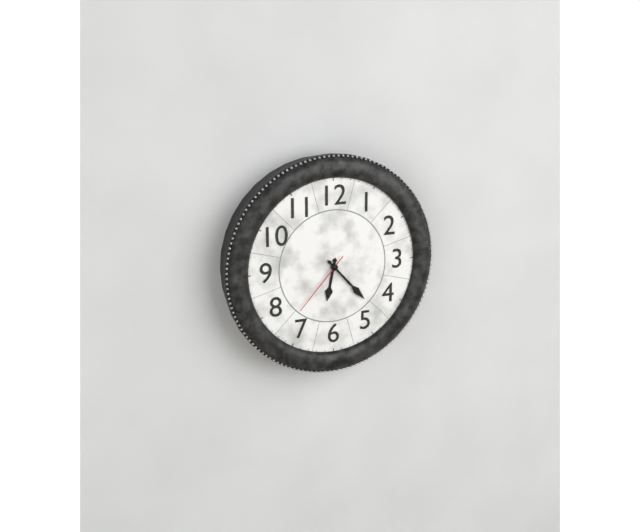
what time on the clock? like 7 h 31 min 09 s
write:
6 h 23 min 37 s
